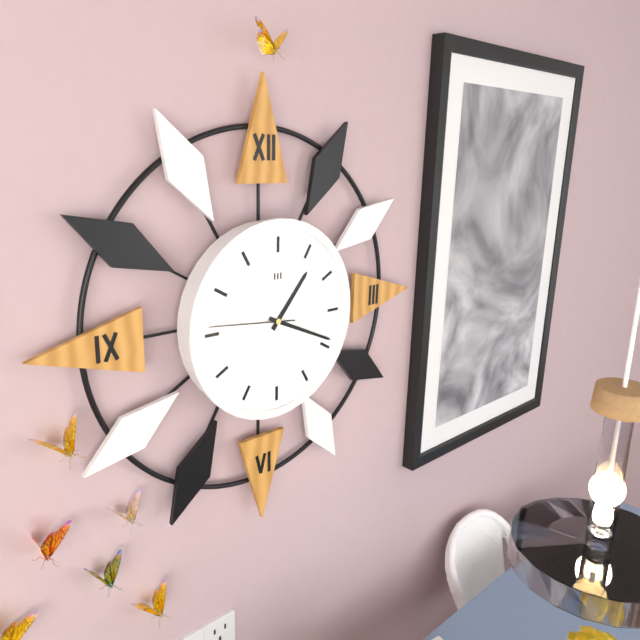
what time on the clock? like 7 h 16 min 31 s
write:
1 h 19 min 46 s
